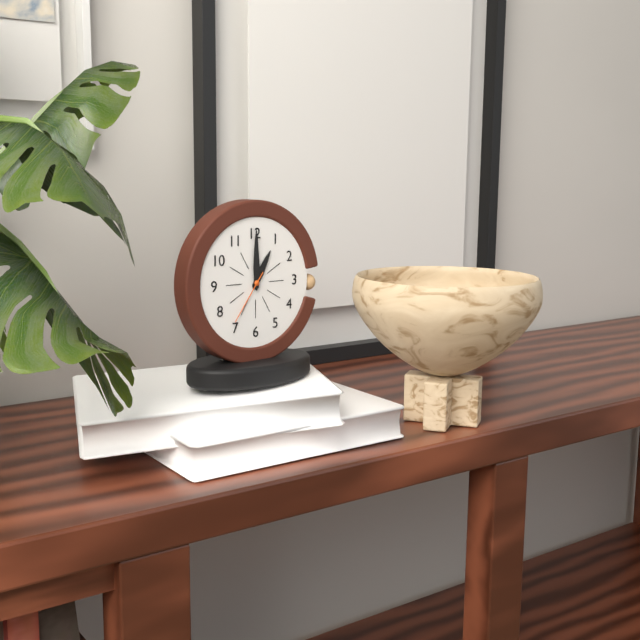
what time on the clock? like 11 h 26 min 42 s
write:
1 h 00 min 36 s
